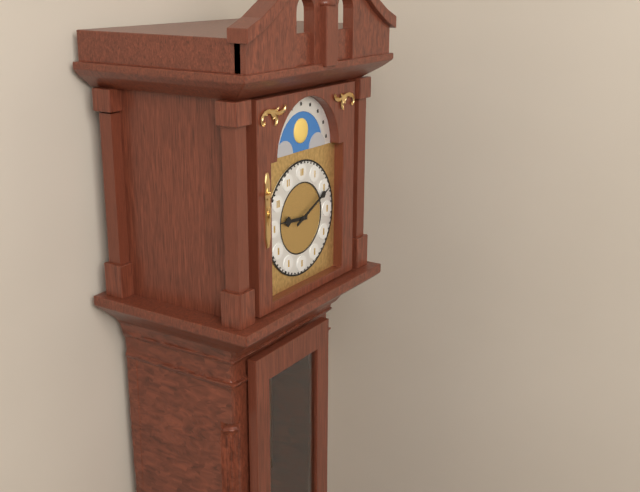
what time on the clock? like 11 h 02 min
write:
9 h 11 min
